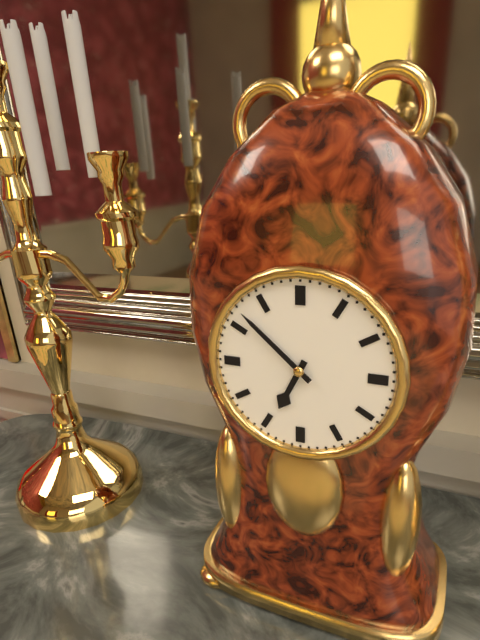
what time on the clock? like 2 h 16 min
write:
6 h 52 min
